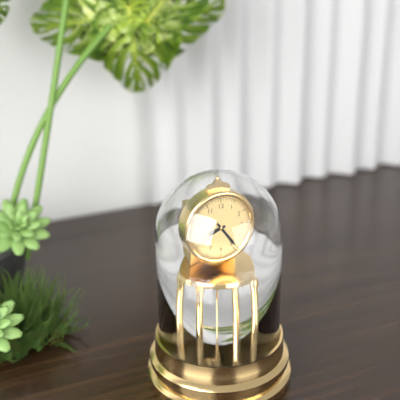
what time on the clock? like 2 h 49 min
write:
8 h 24 min
